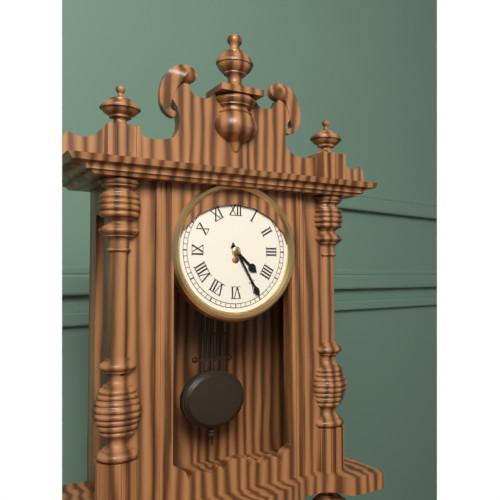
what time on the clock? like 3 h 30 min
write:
4 h 25 min
